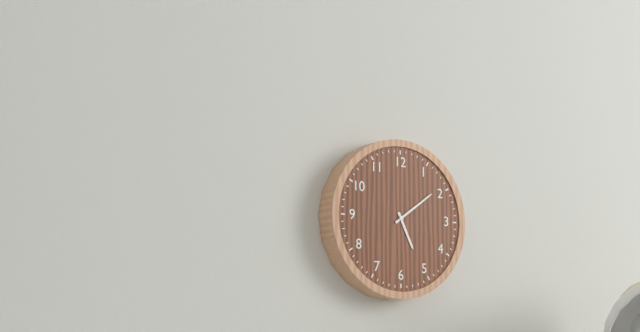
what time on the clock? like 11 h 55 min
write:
5 h 09 min
